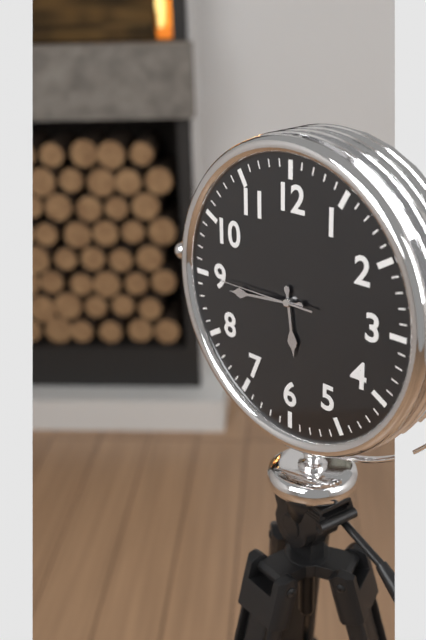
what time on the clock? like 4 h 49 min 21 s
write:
5 h 44 min 45 s
